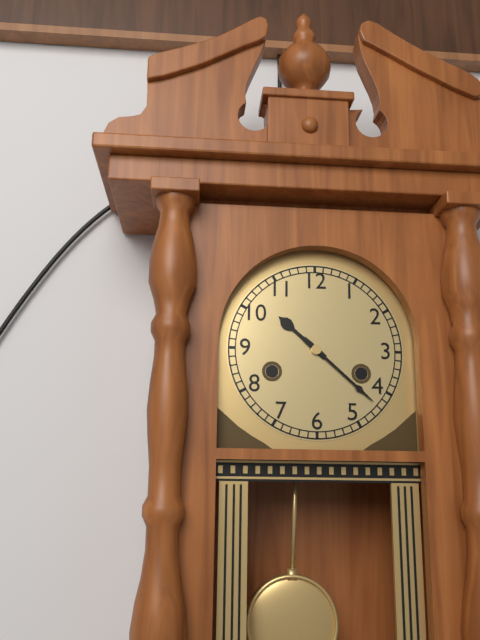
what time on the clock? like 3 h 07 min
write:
10 h 22 min
